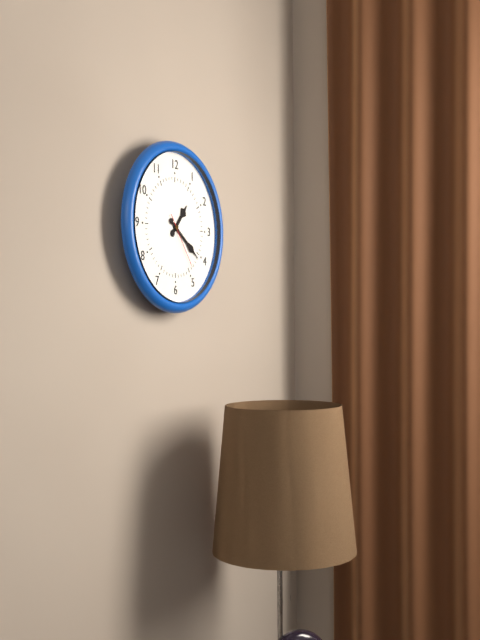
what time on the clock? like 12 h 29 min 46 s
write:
1 h 21 min 24 s
